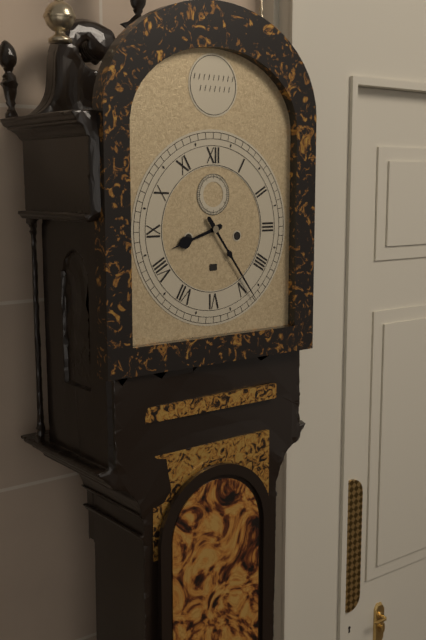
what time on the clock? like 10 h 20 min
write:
8 h 24 min
